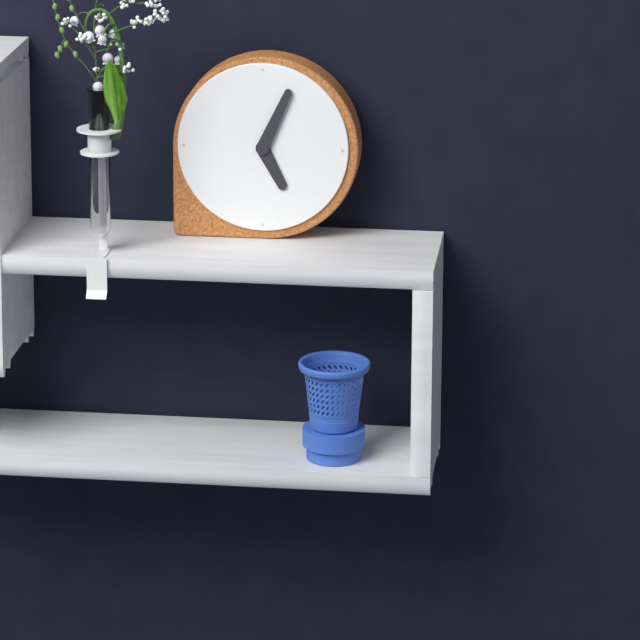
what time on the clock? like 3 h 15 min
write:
5 h 04 min
